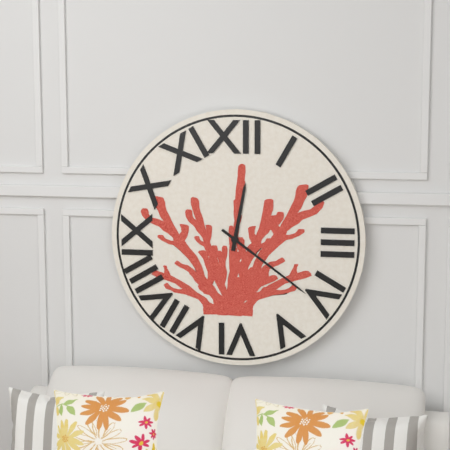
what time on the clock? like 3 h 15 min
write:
12 h 21 min
